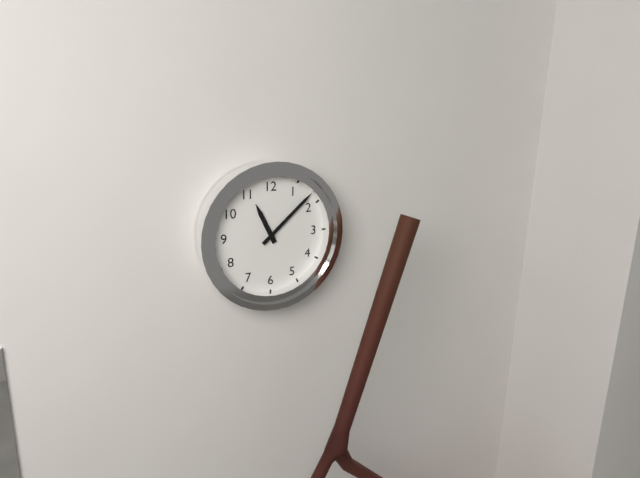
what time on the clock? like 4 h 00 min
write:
11 h 08 min
